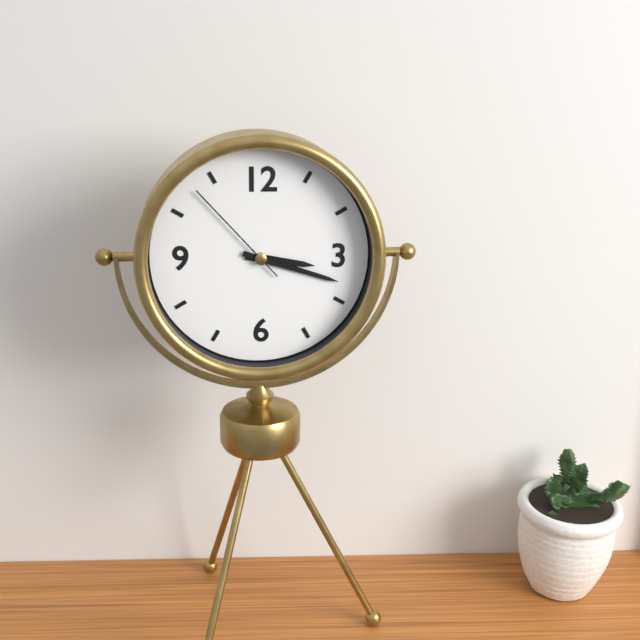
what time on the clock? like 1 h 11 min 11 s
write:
3 h 18 min 53 s
